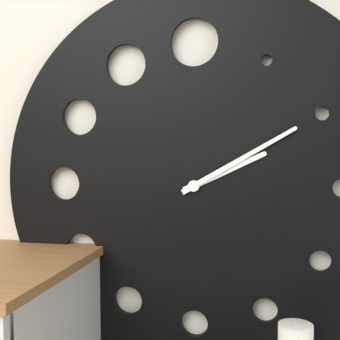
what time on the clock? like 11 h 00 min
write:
2 h 10 min
